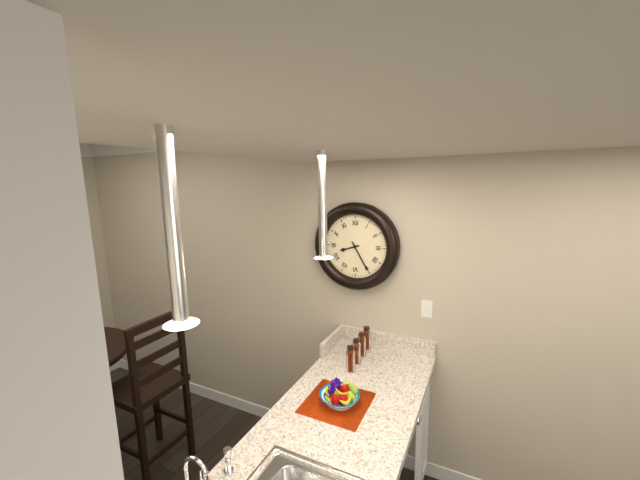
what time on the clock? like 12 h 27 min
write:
8 h 25 min
